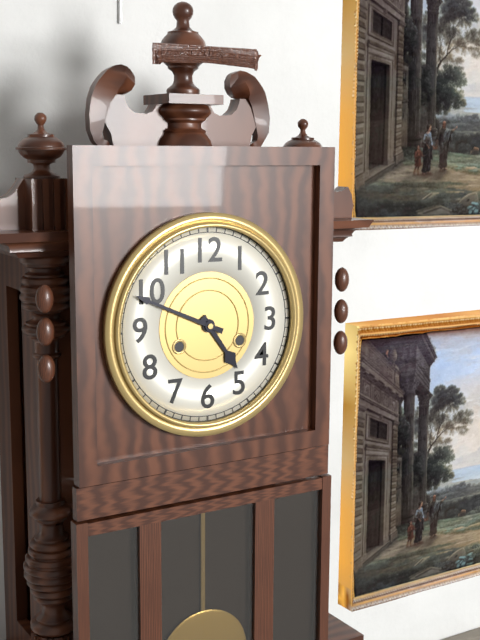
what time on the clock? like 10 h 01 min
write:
4 h 49 min
